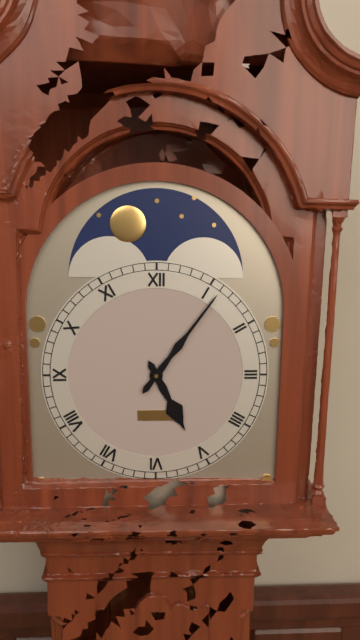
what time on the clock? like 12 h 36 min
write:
5 h 06 min
